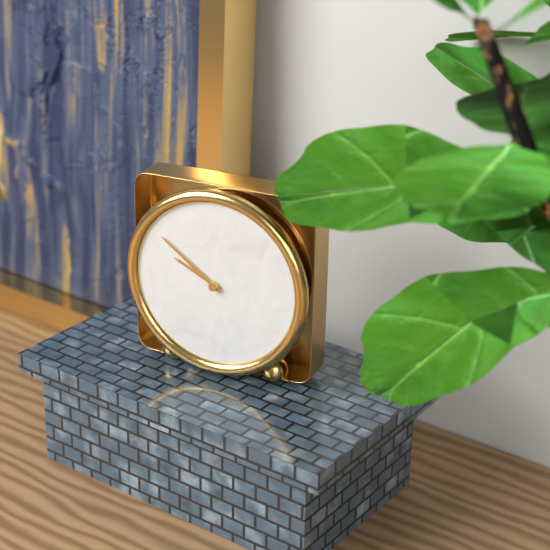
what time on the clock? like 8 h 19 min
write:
9 h 51 min
